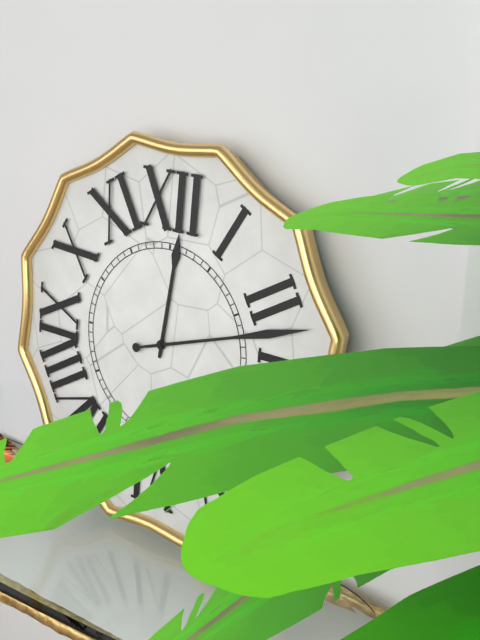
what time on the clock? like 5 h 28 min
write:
12 h 12 min
